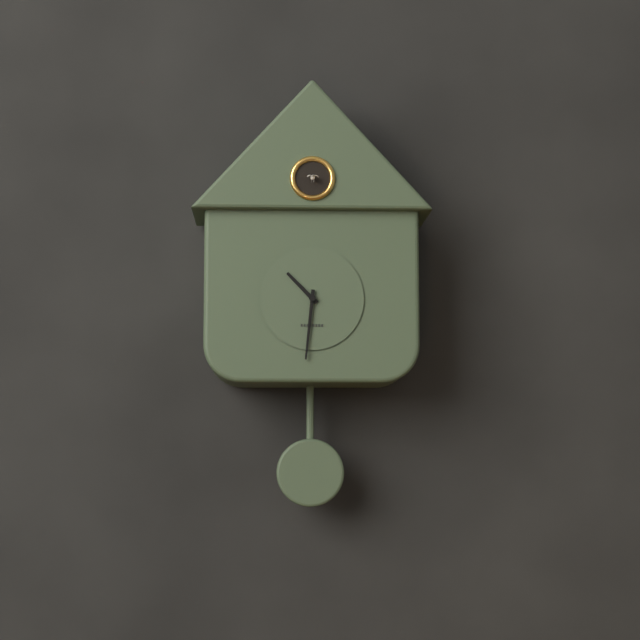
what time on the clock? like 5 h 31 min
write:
10 h 31 min
